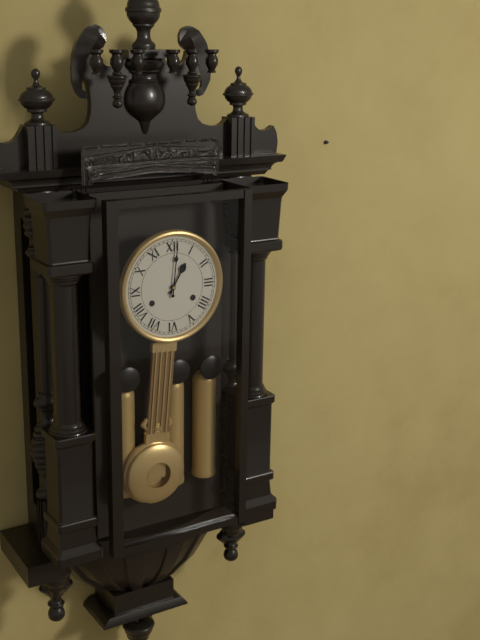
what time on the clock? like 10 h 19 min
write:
1 h 01 min
